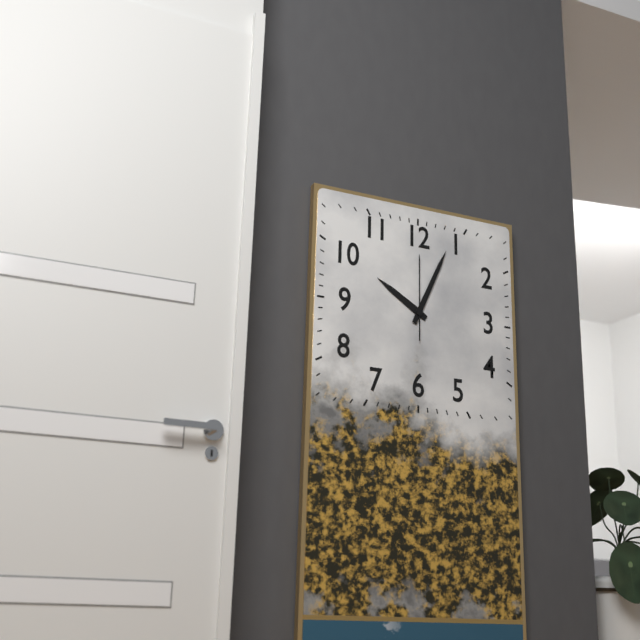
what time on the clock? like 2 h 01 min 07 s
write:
10 h 04 min 00 s
